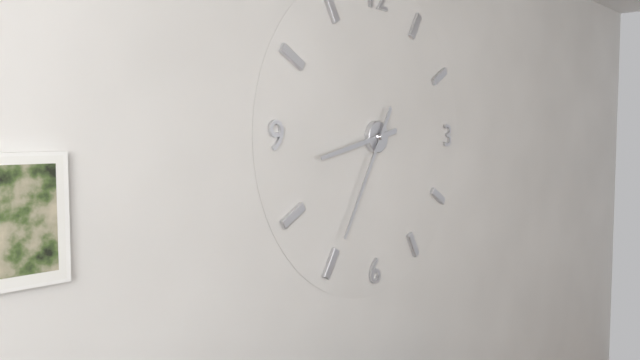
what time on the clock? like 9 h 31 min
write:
8 h 35 min
